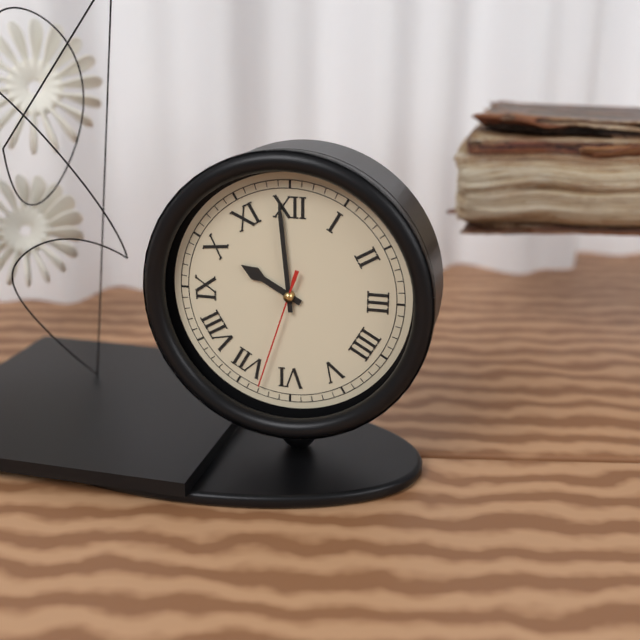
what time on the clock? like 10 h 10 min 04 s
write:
9 h 59 min 33 s
